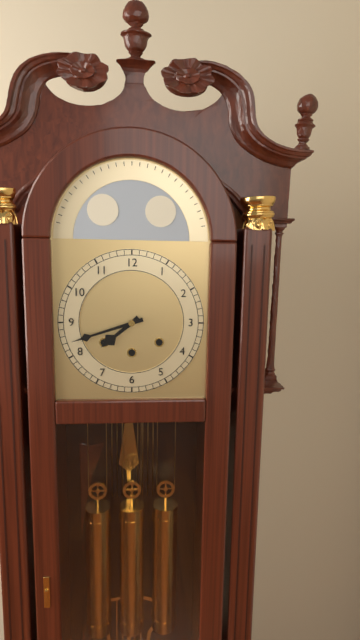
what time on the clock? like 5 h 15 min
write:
7 h 42 min
